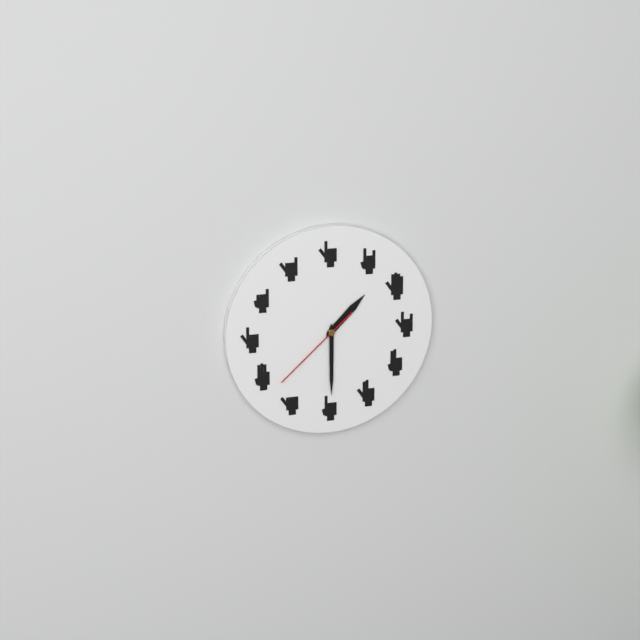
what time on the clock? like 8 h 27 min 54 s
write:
1 h 30 min 38 s
